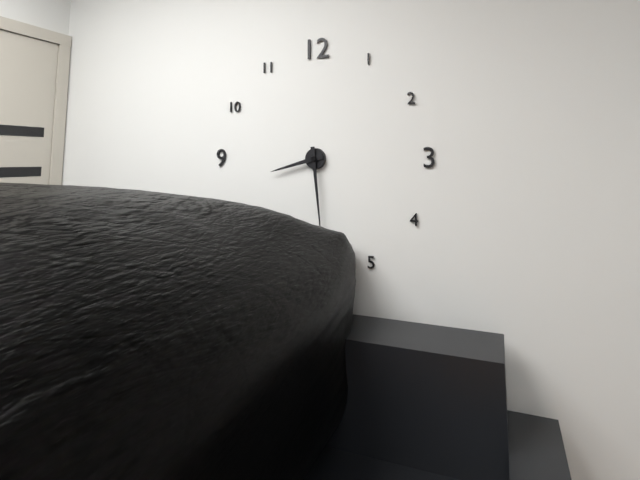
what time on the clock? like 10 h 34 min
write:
8 h 29 min
